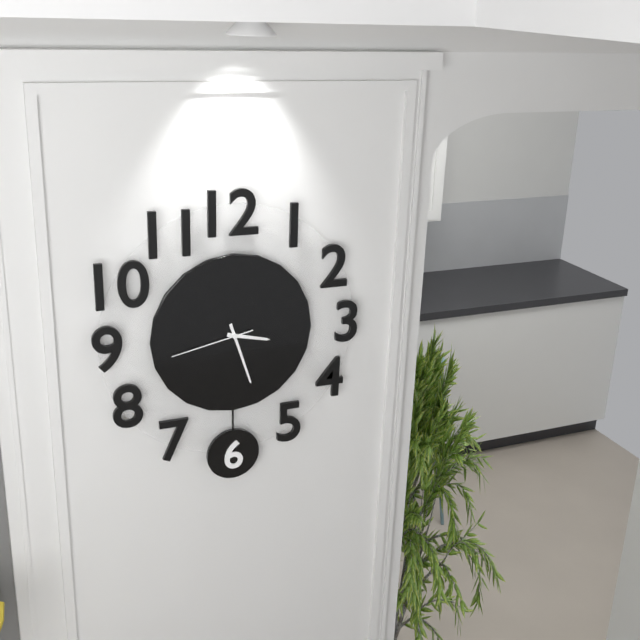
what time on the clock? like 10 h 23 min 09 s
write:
3 h 27 min 43 s
